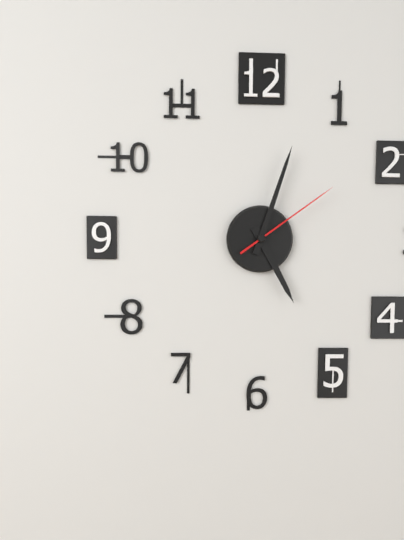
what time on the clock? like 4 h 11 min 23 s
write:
5 h 03 min 09 s
